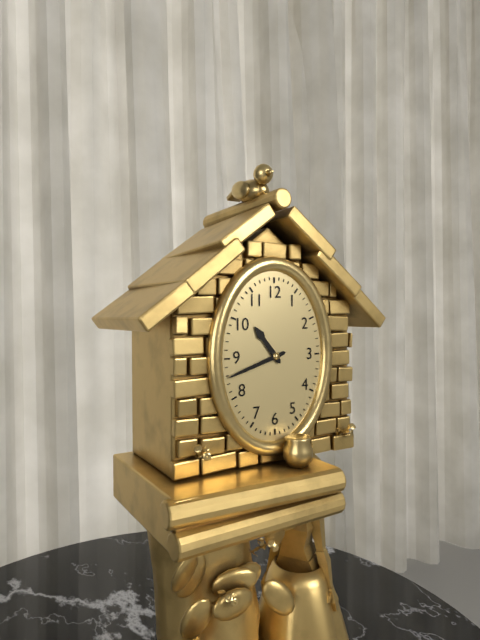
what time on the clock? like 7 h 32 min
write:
10 h 42 min
